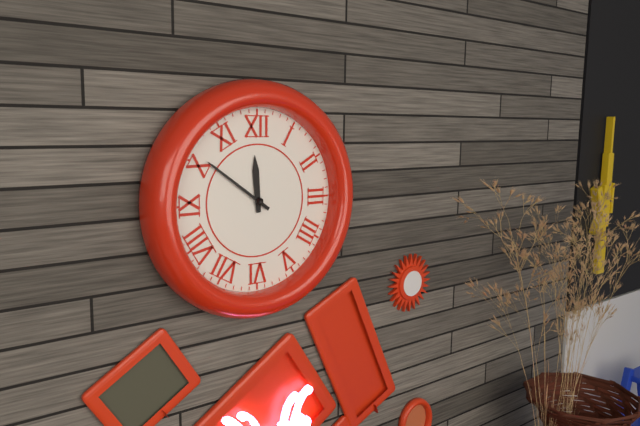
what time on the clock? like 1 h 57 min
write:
11 h 51 min
